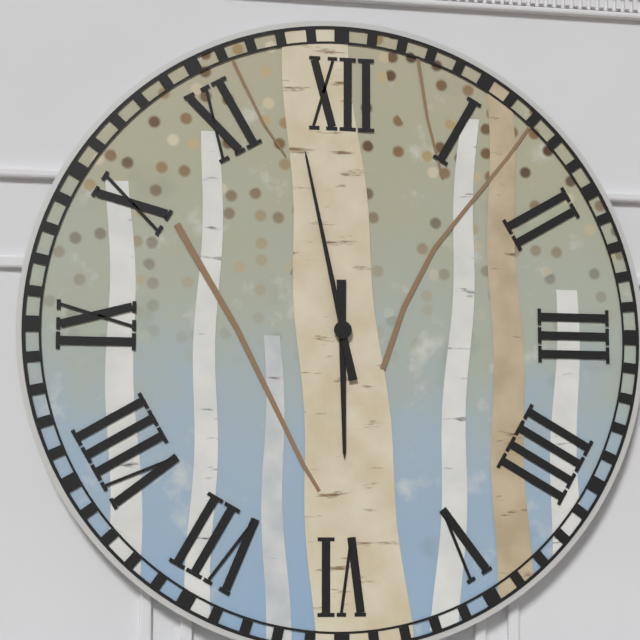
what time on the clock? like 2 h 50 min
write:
5 h 58 min
